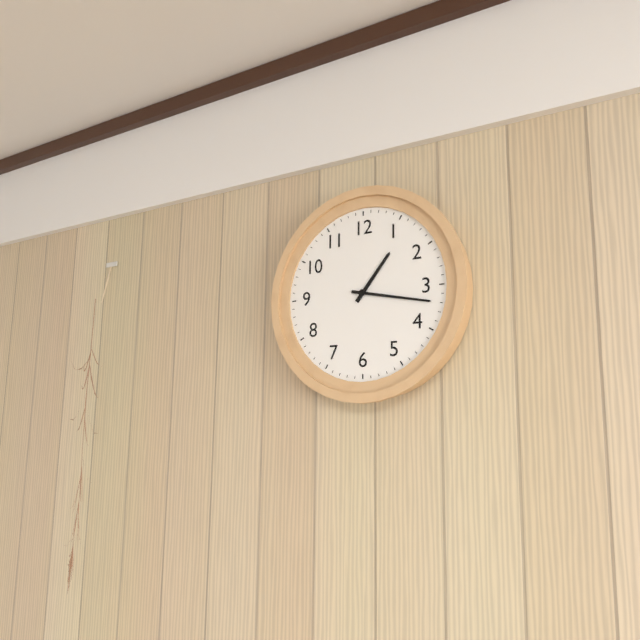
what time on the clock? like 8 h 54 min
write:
1 h 17 min
